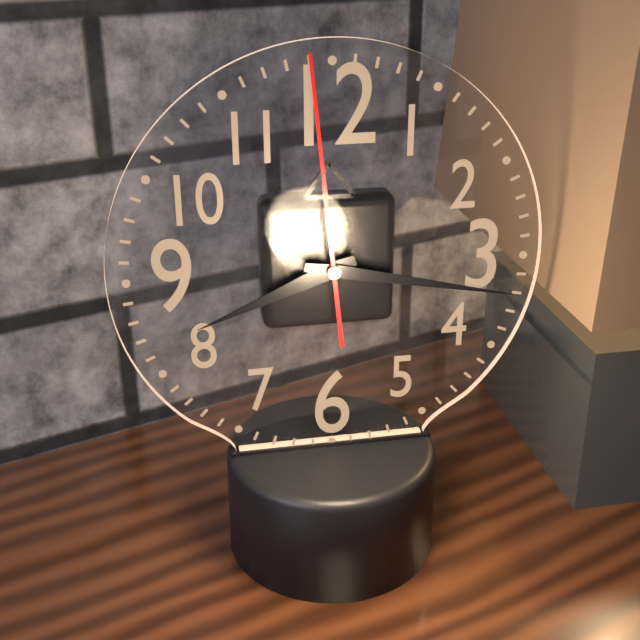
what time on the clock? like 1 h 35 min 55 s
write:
8 h 17 min 59 s
